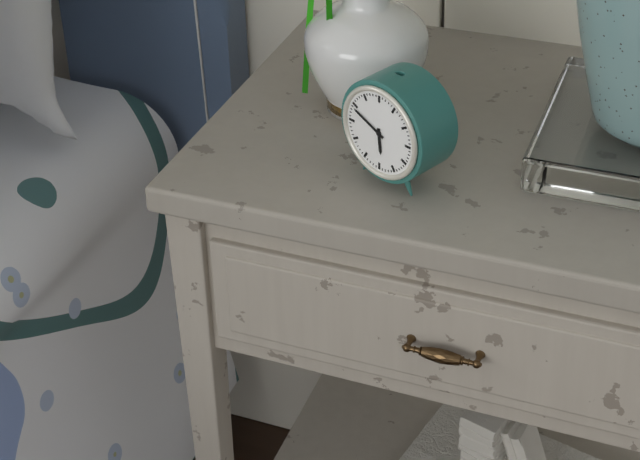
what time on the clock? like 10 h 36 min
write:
5 h 49 min
